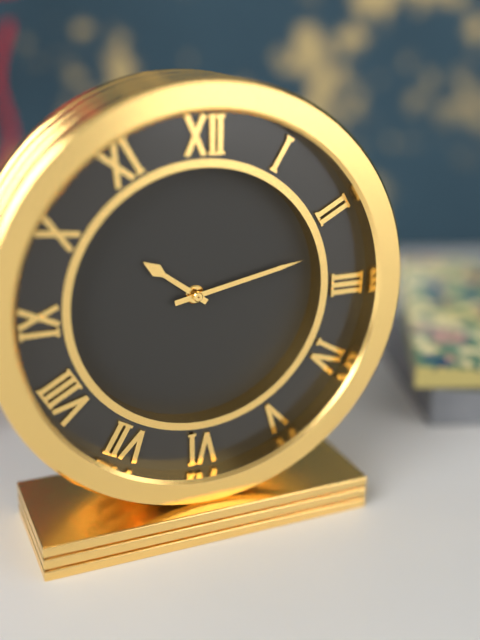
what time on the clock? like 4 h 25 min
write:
10 h 13 min
